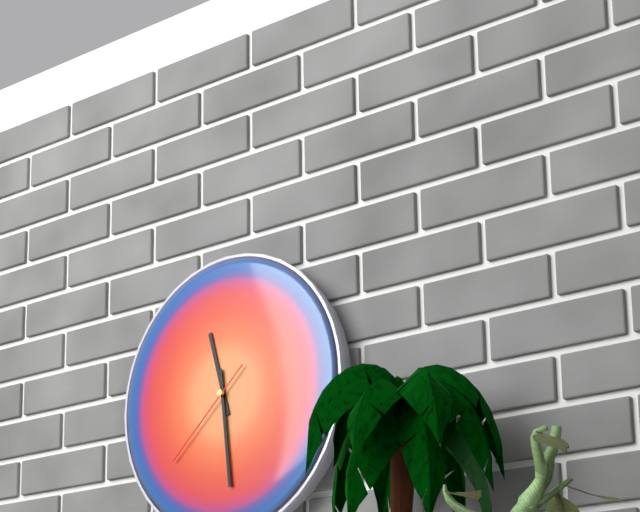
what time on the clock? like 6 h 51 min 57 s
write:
11 h 29 min 38 s
